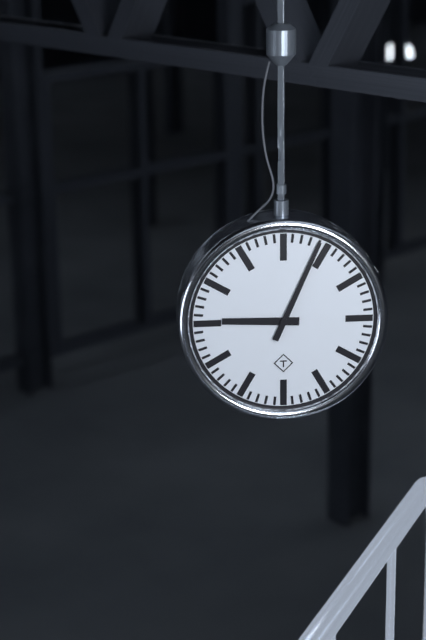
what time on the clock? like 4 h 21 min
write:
9 h 04 min
